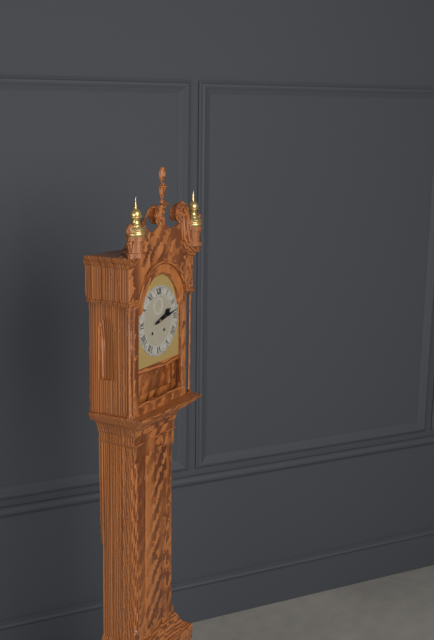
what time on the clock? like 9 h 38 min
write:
2 h 13 min
